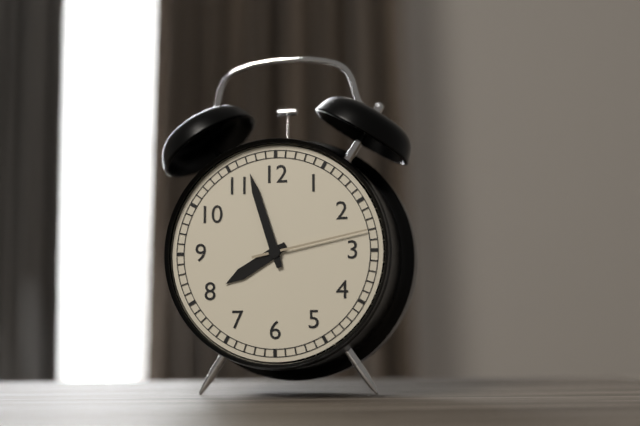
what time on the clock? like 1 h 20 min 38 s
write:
7 h 57 min 13 s
